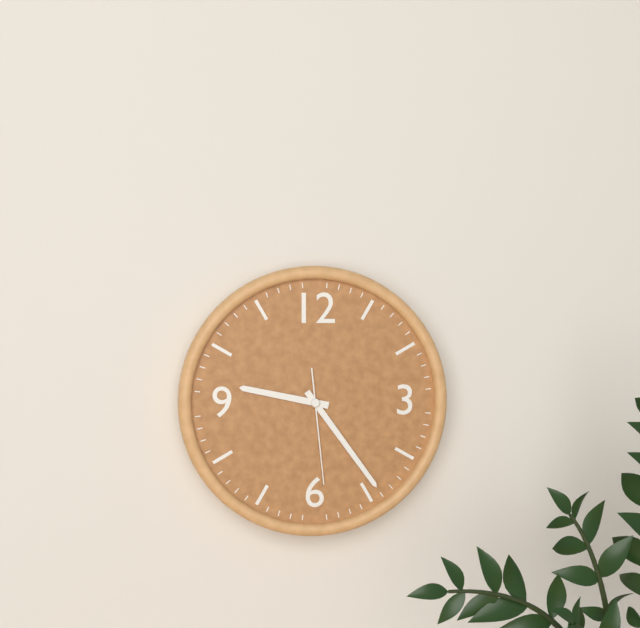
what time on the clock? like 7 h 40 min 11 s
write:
9 h 24 min 29 s
